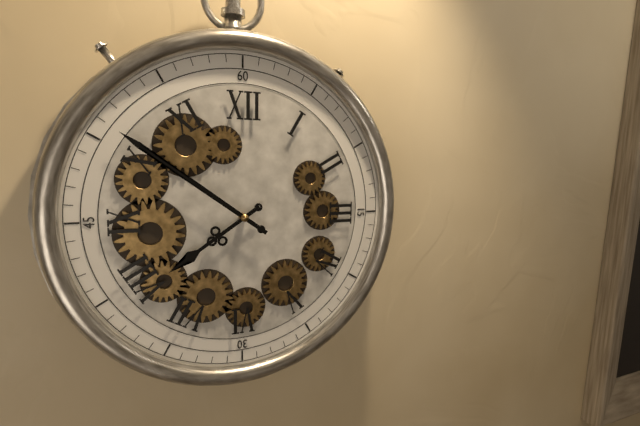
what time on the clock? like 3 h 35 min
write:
7 h 51 min
